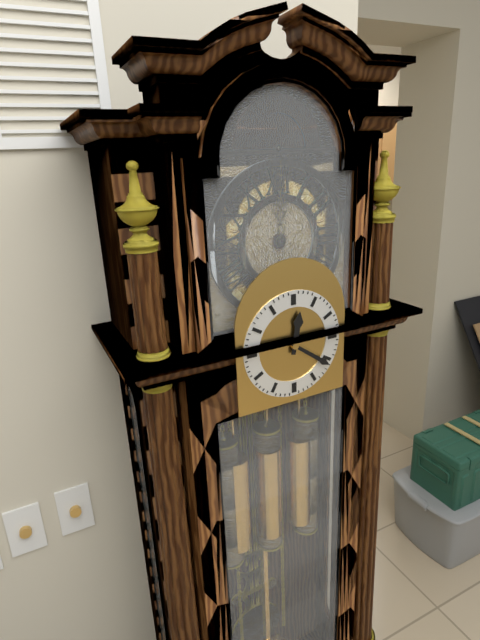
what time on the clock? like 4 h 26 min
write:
12 h 21 min
